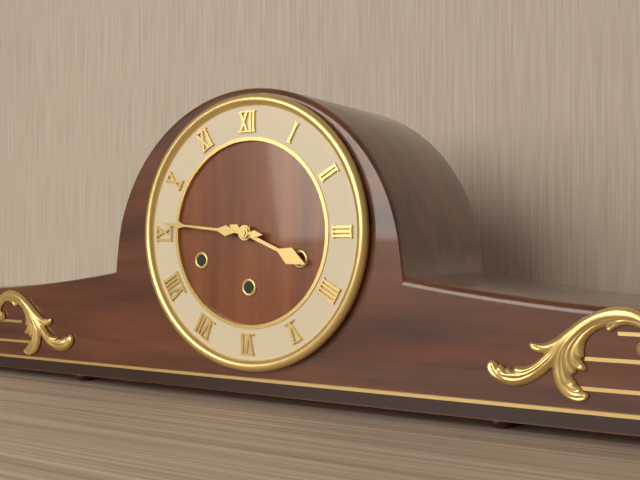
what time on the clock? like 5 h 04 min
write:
3 h 46 min
